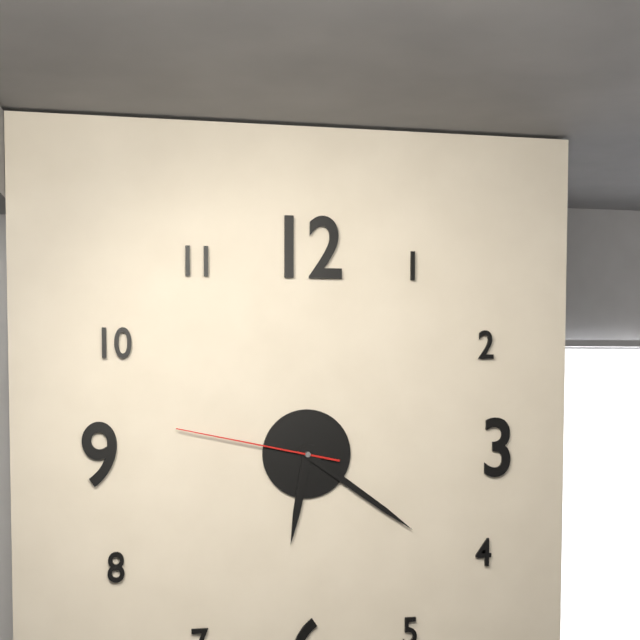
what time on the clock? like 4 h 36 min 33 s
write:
6 h 21 min 47 s
